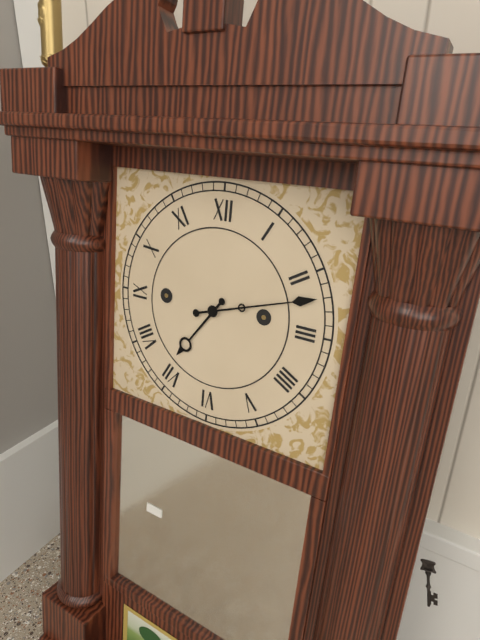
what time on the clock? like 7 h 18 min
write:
7 h 12 min
